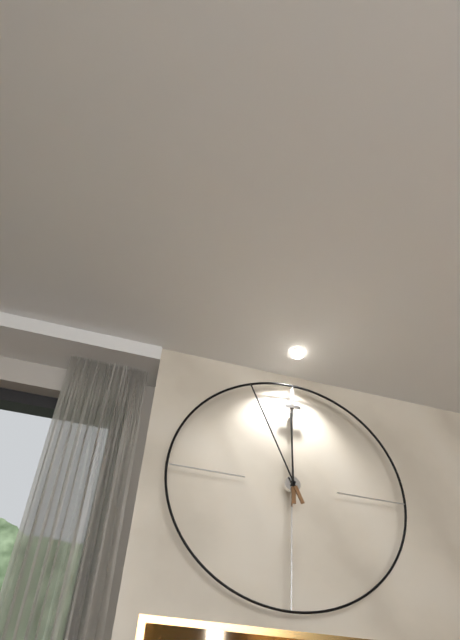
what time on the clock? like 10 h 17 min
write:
11 h 56 min
